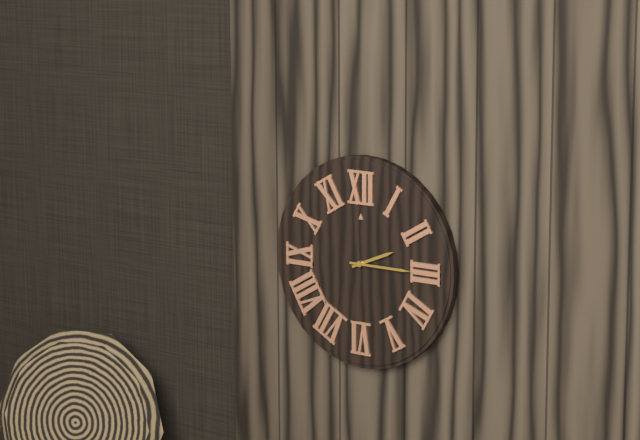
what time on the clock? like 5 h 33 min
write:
2 h 15 min
